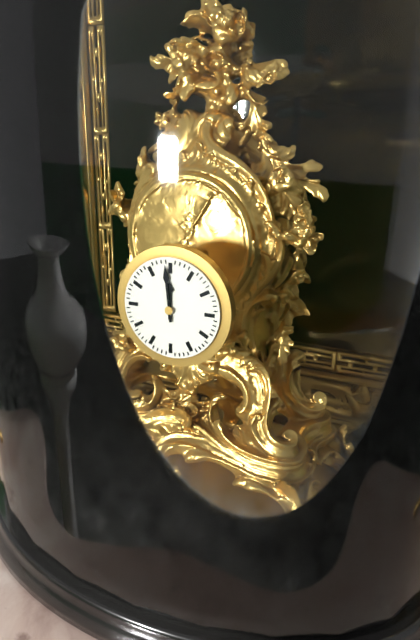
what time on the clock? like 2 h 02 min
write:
11 h 59 min
